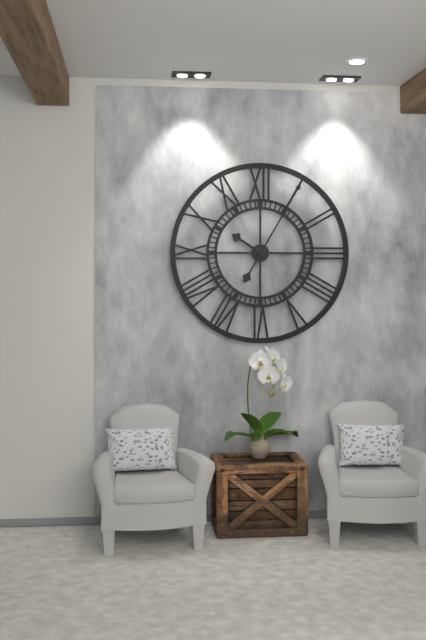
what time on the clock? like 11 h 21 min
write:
10 h 05 min
